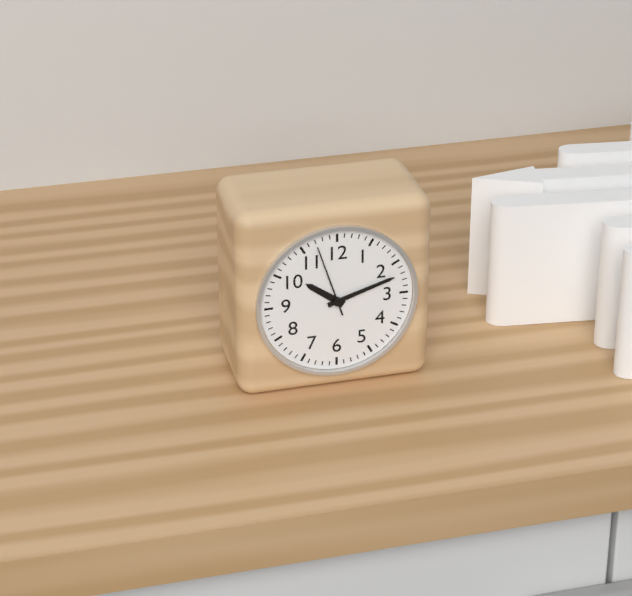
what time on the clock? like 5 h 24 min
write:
10 h 12 min
